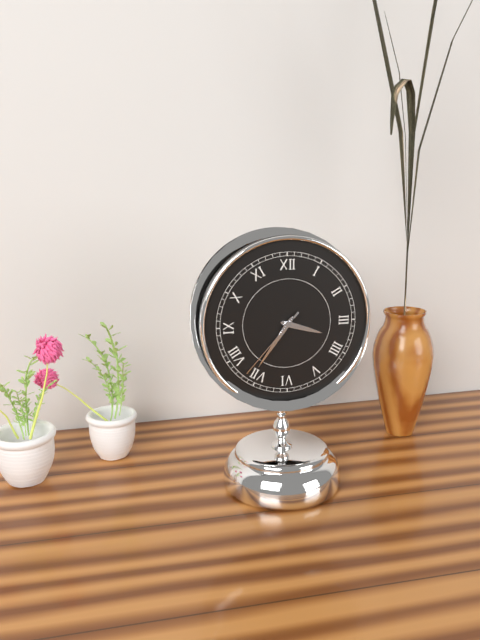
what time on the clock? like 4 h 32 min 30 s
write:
3 h 36 min 37 s
